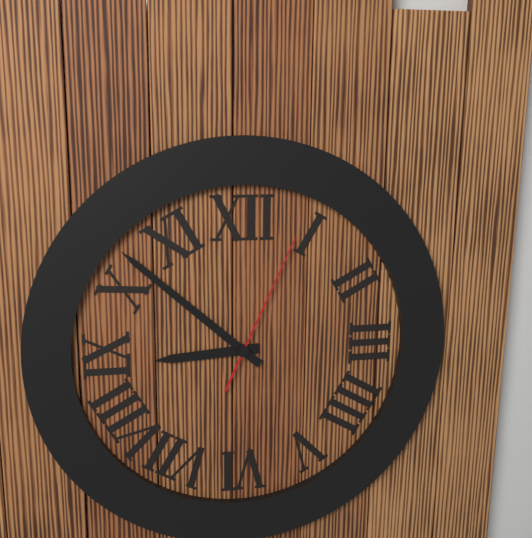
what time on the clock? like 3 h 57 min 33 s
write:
8 h 52 min 04 s
